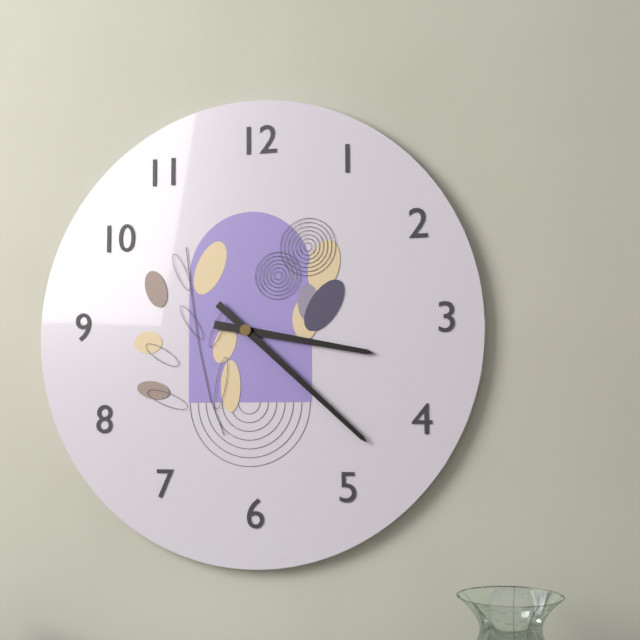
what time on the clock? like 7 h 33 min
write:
3 h 22 min
